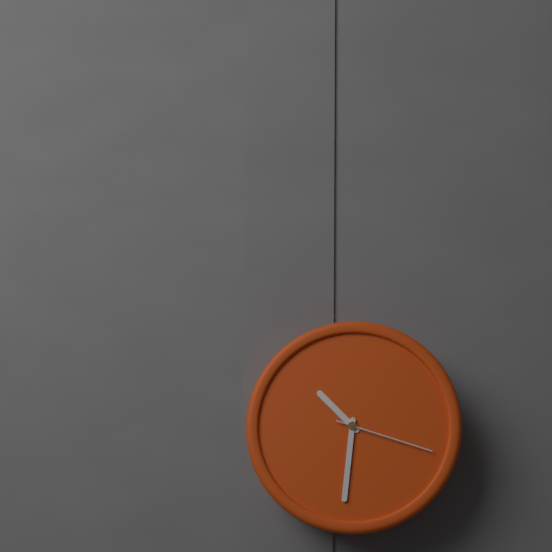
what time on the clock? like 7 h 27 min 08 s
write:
10 h 31 min 18 s
